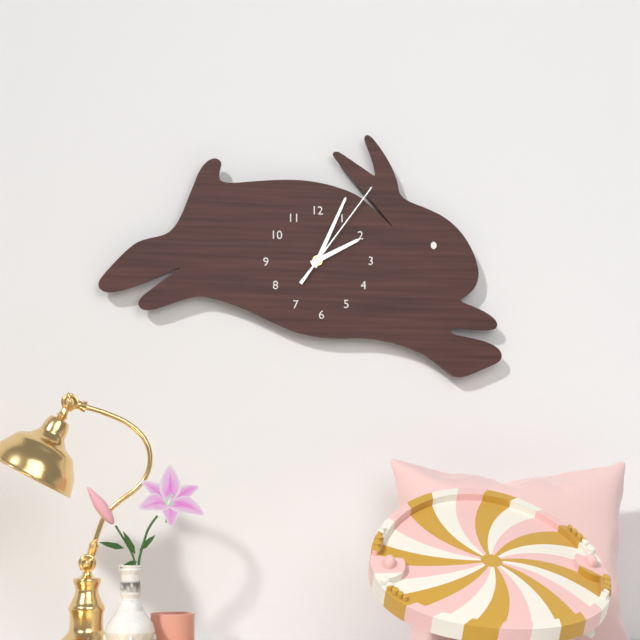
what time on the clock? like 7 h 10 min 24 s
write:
2 h 04 min 06 s
